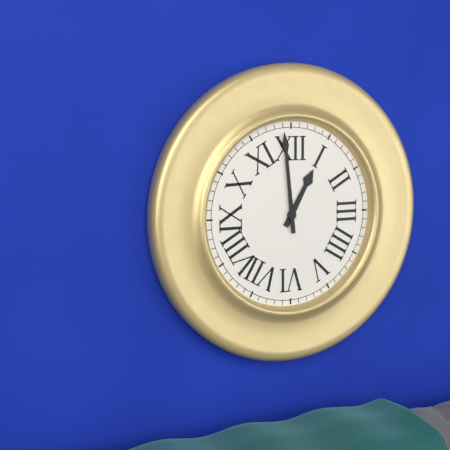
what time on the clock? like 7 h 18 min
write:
12 h 59 min
